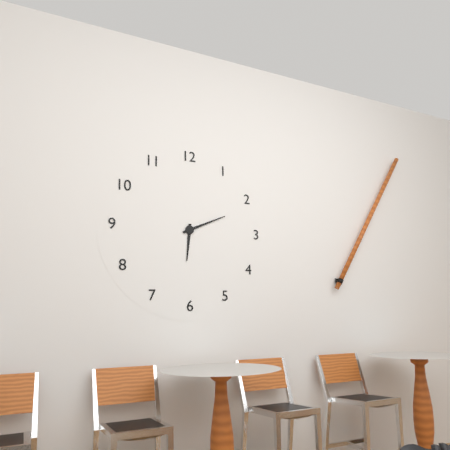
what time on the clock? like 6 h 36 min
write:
6 h 11 min
